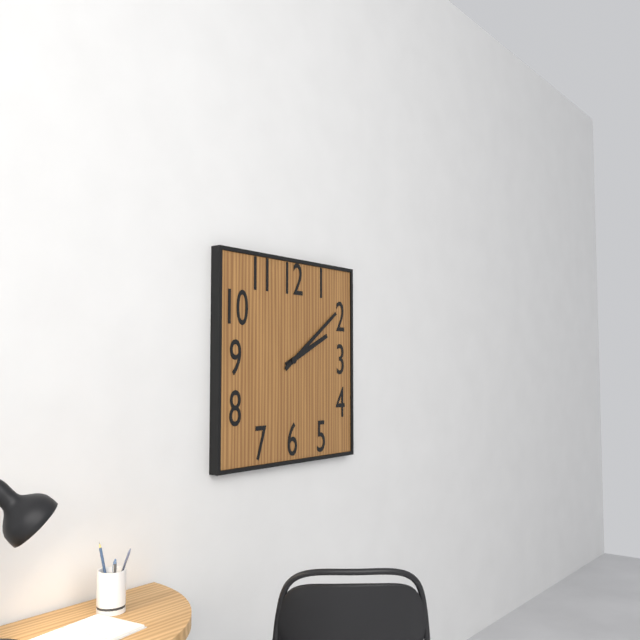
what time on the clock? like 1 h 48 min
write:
2 h 09 min
